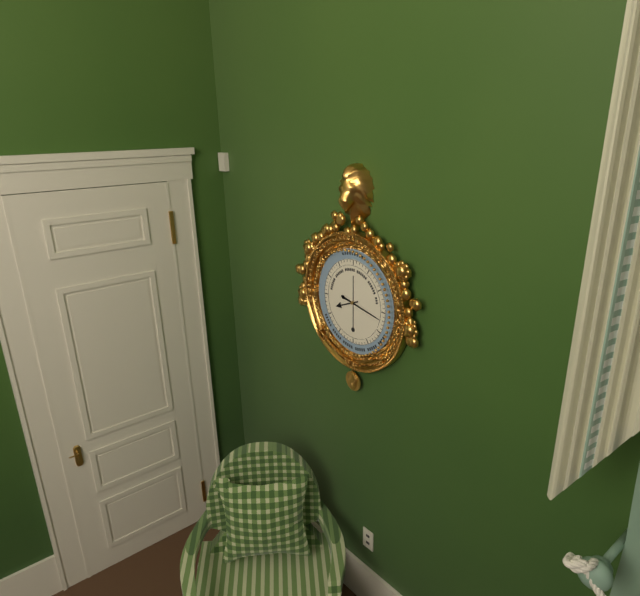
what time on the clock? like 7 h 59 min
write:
8 h 17 min
